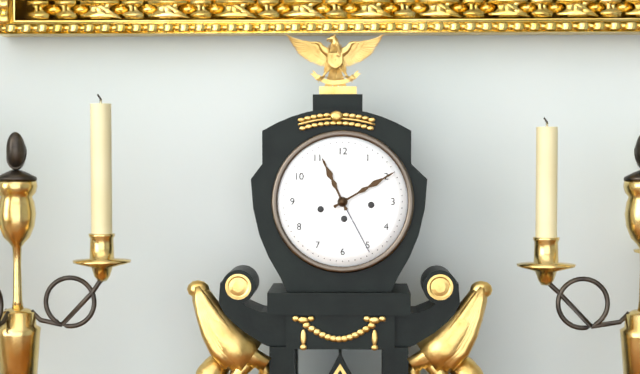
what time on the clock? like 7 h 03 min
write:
11 h 10 min
